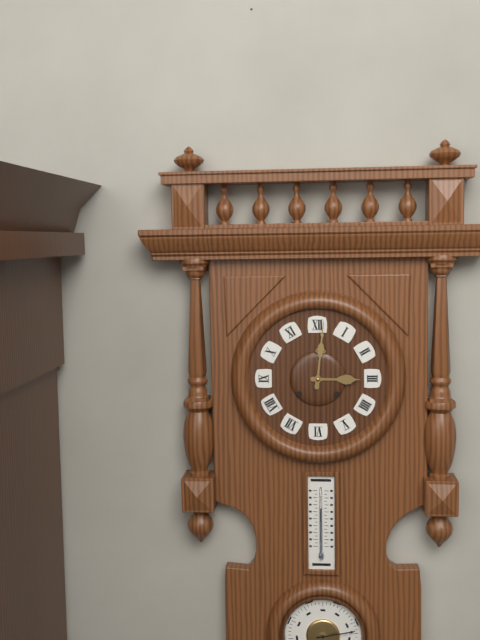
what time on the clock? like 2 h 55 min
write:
3 h 01 min
